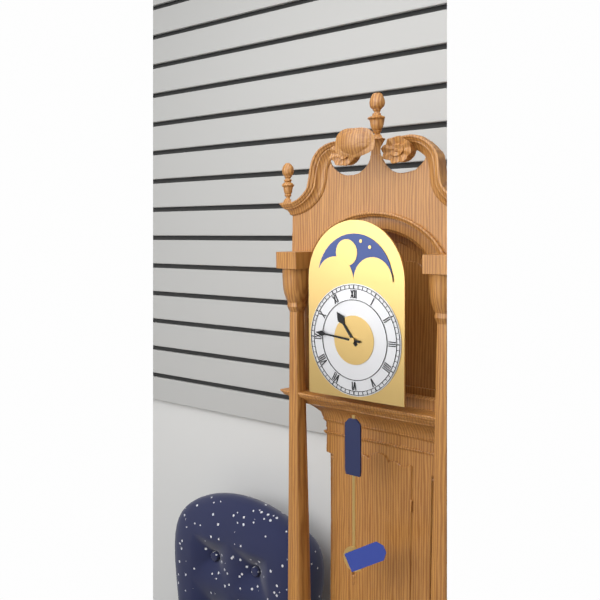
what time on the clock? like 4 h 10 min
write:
10 h 46 min
